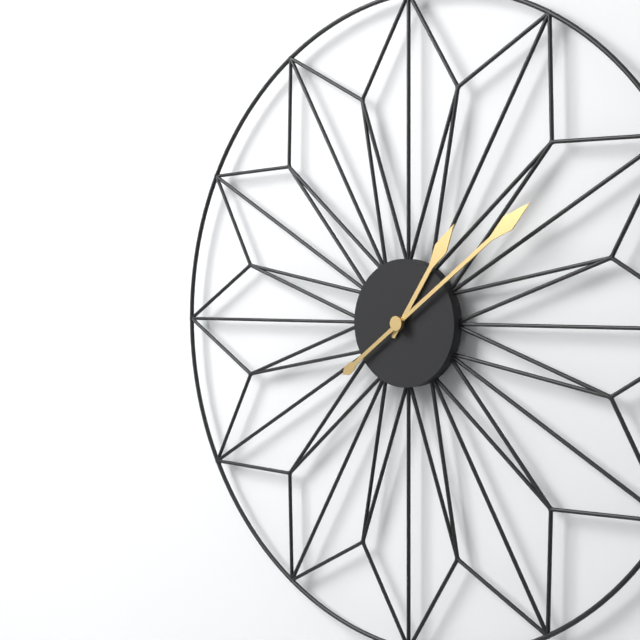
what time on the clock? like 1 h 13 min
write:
1 h 09 min
